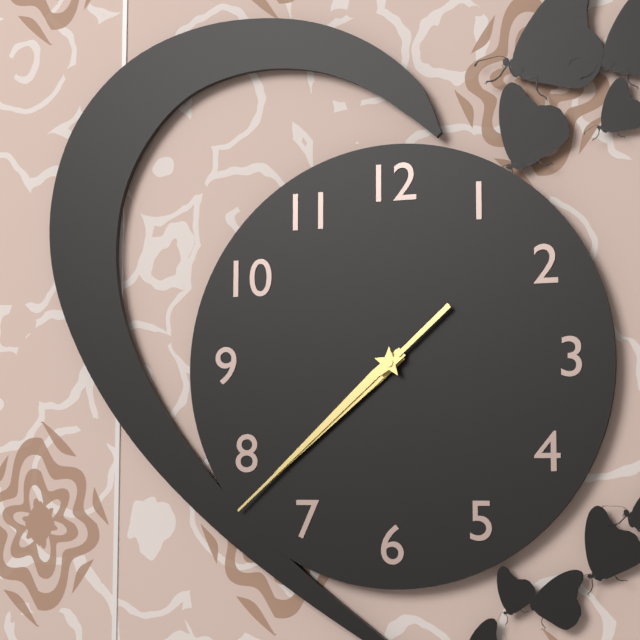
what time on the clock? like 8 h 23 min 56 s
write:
7 h 38 min 38 s
